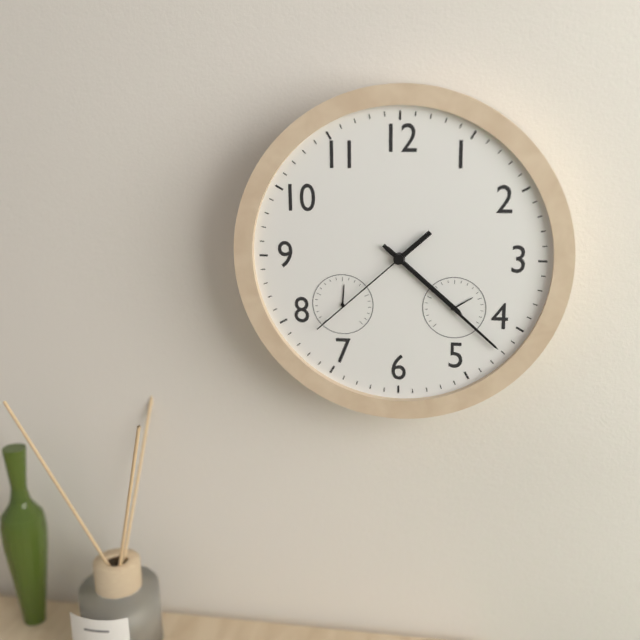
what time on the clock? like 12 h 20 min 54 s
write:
4 h 22 min 38 s
